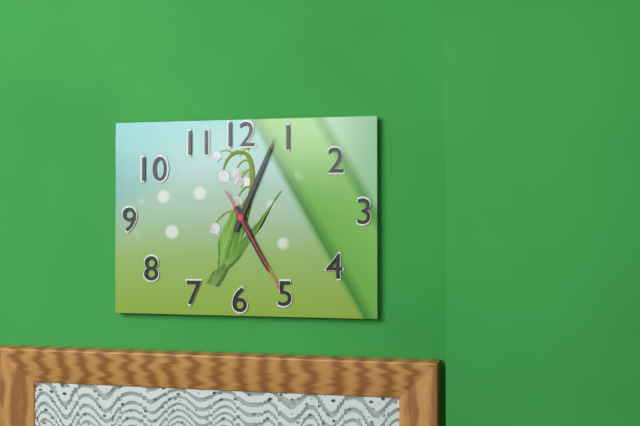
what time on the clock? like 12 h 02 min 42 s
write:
5 h 04 min 25 s
